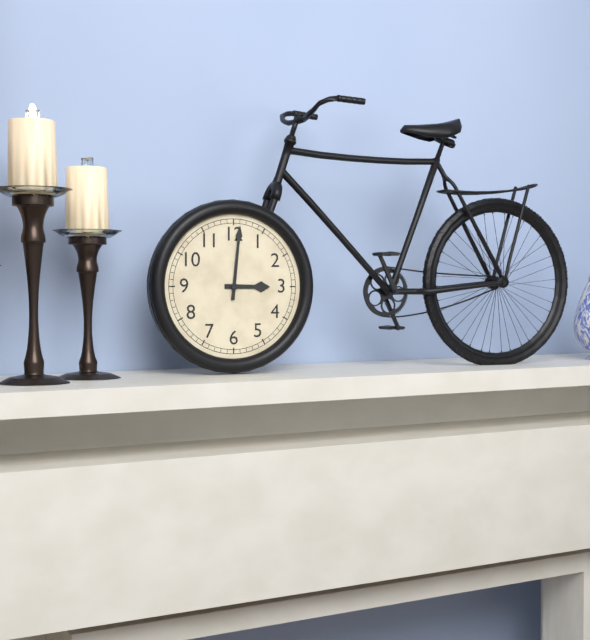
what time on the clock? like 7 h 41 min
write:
3 h 01 min
